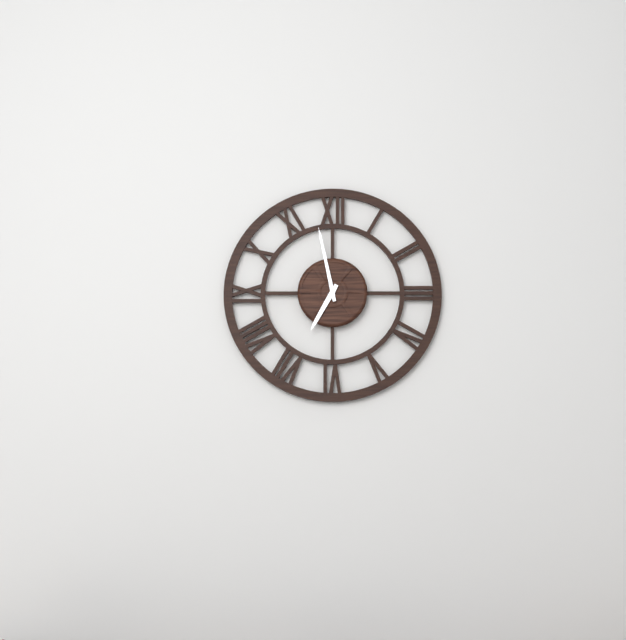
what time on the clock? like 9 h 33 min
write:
6 h 58 min
